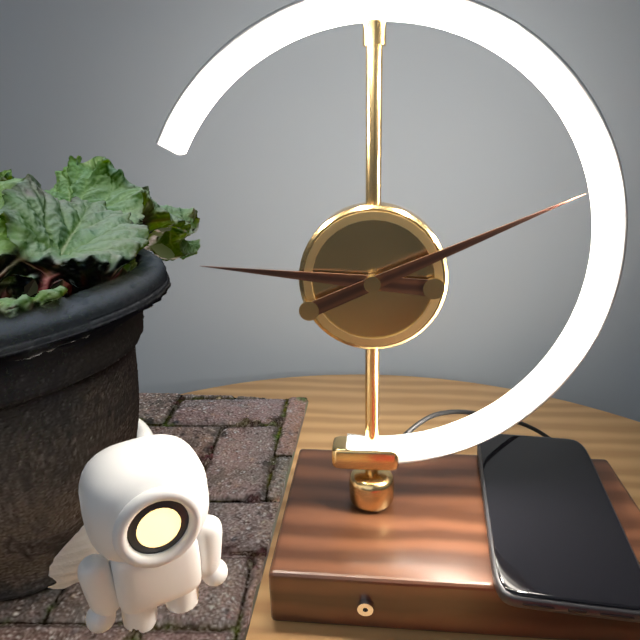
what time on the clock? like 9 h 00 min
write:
9 h 11 min
